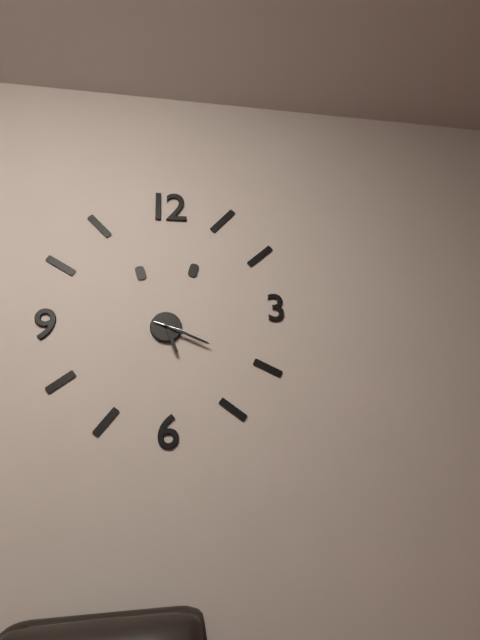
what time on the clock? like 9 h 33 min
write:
5 h 19 min
